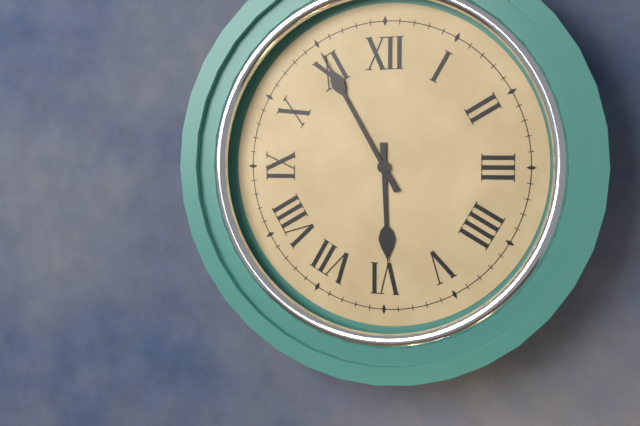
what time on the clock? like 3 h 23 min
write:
5 h 55 min
